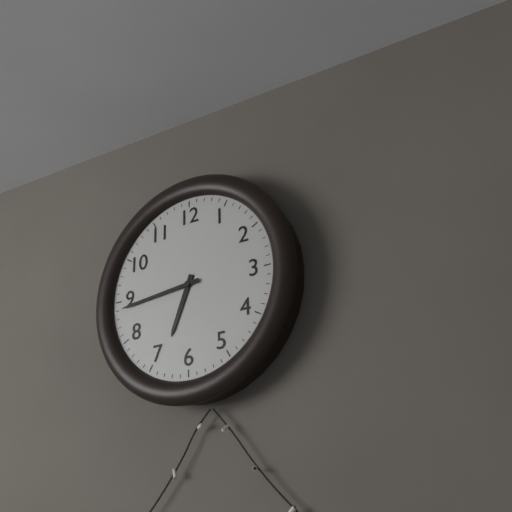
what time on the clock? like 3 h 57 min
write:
6 h 44 min
